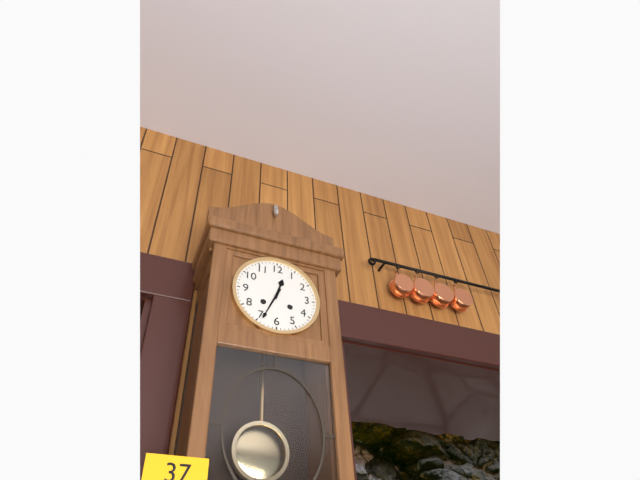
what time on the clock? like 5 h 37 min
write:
12 h 34 min
